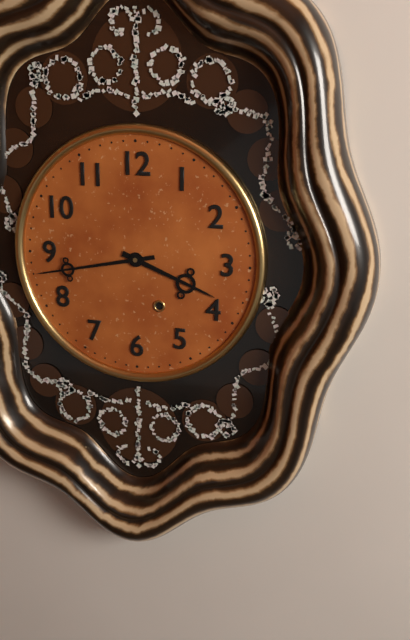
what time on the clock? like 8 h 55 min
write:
3 h 43 min
